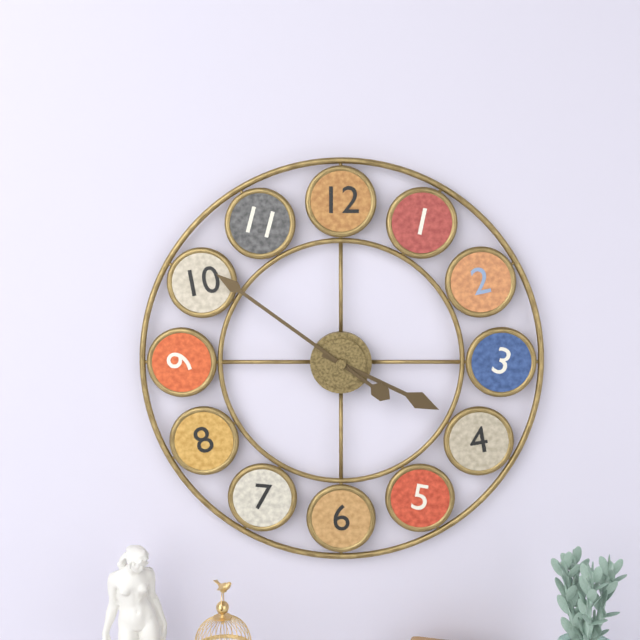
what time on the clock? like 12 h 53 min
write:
3 h 51 min
